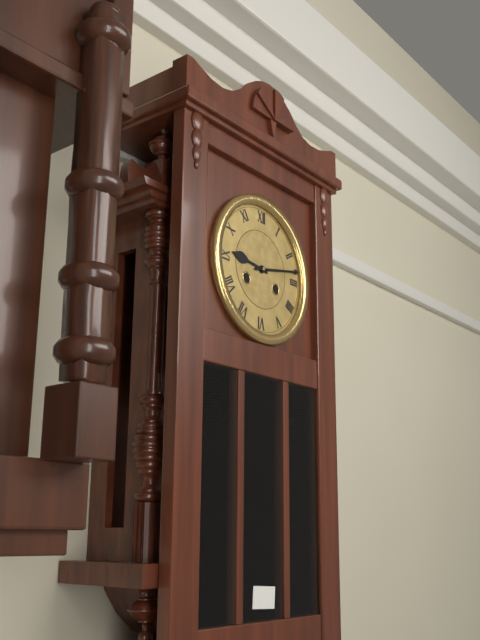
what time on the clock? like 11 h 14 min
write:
9 h 13 min
